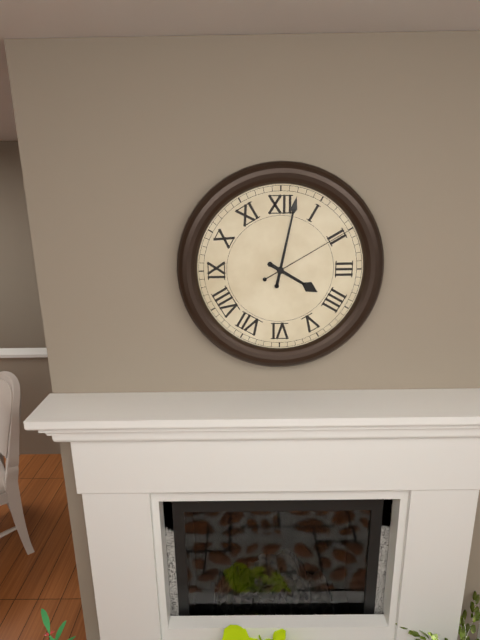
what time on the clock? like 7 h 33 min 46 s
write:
4 h 02 min 10 s
